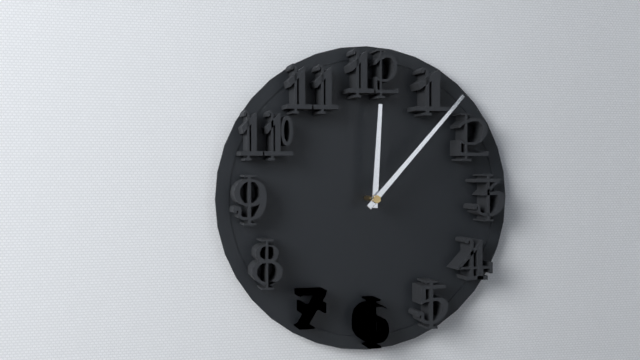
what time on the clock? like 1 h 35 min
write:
12 h 07 min
